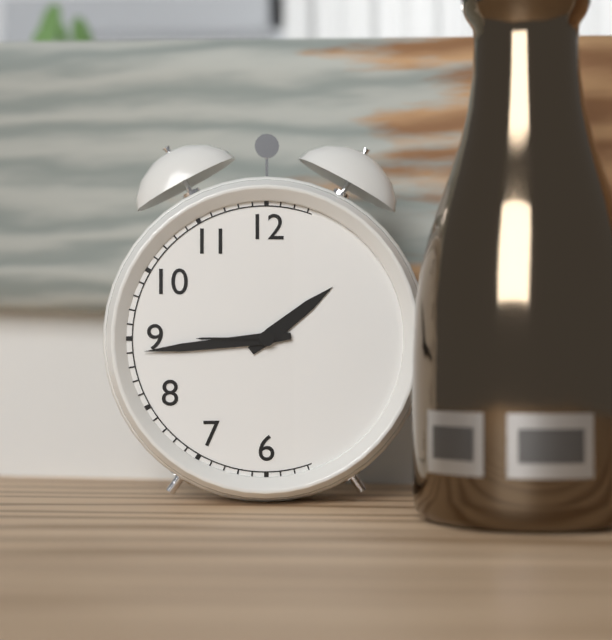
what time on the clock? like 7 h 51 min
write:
1 h 44 min
